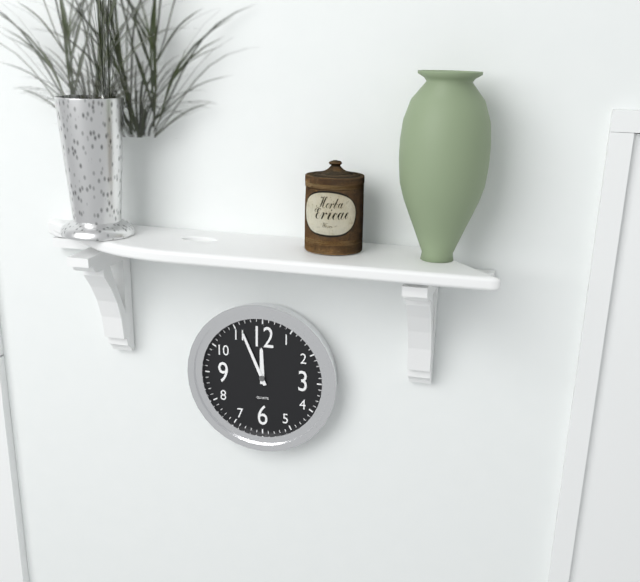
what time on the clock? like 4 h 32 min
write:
11 h 56 min
